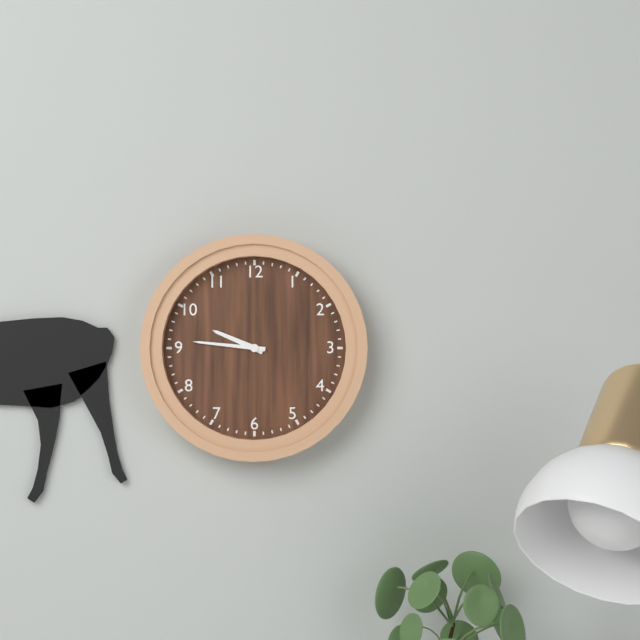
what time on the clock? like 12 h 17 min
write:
9 h 46 min
